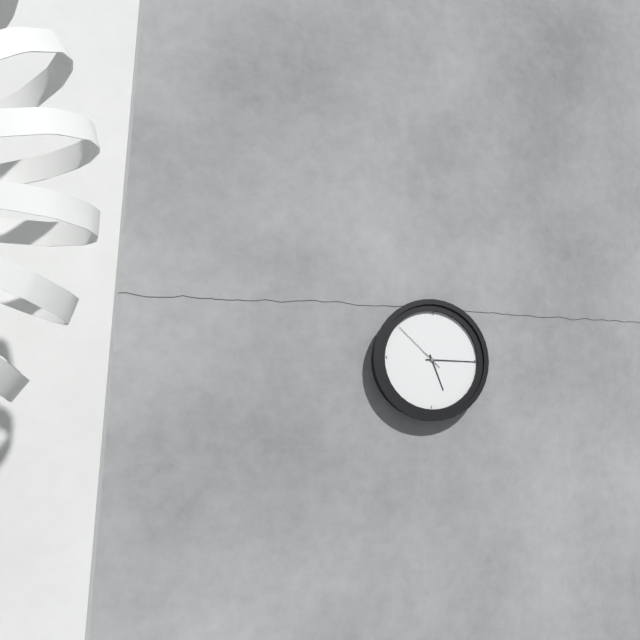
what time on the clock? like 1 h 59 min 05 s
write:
5 h 15 min 52 s
